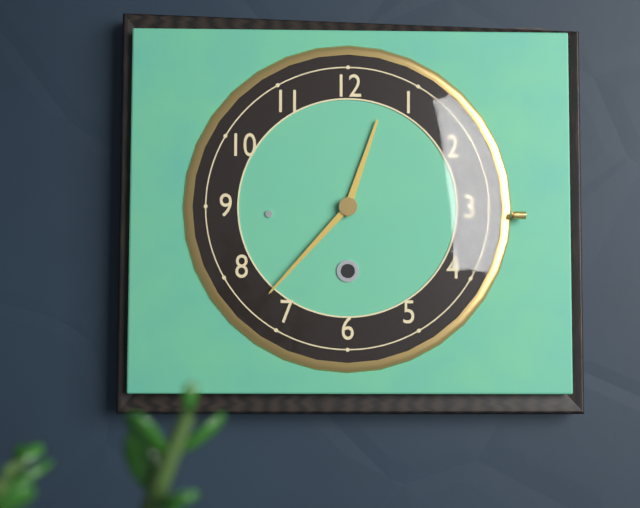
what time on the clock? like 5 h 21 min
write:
12 h 37 min
